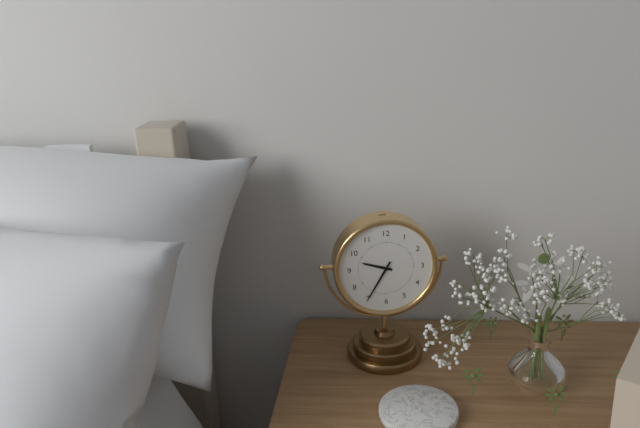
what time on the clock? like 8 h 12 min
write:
9 h 35 min
